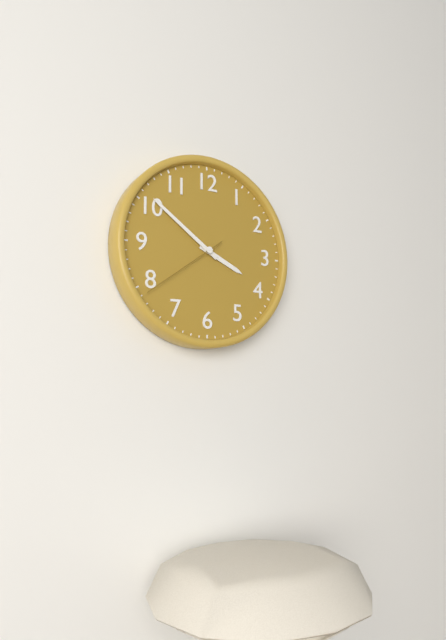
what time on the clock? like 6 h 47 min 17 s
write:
3 h 51 min 39 s
